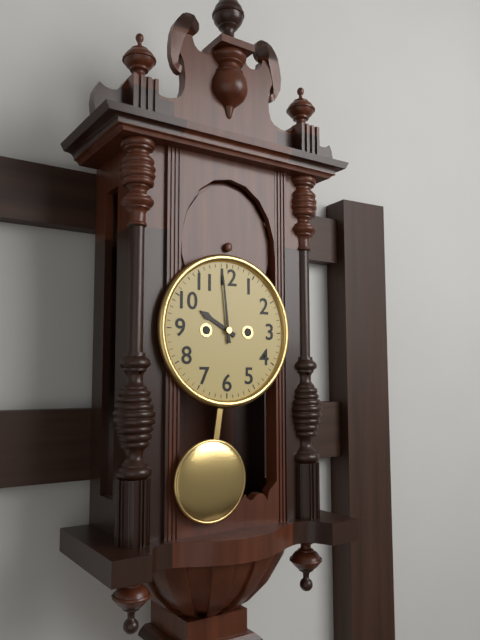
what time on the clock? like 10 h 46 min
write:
9 h 59 min
